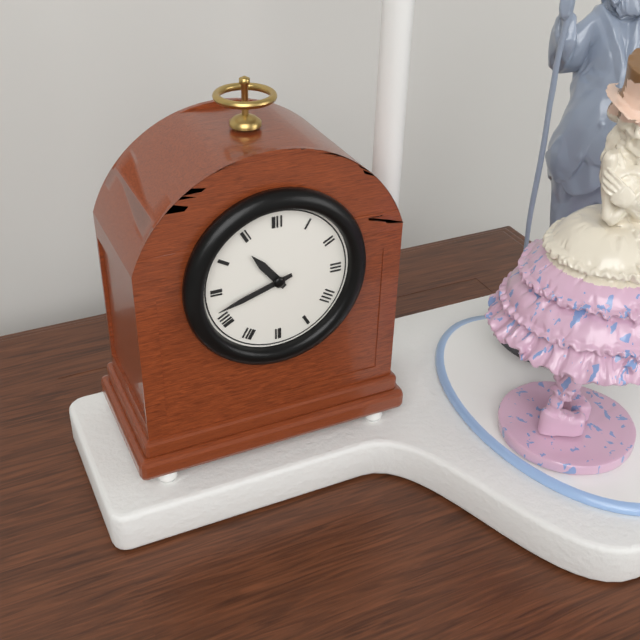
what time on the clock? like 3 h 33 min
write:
10 h 42 min
